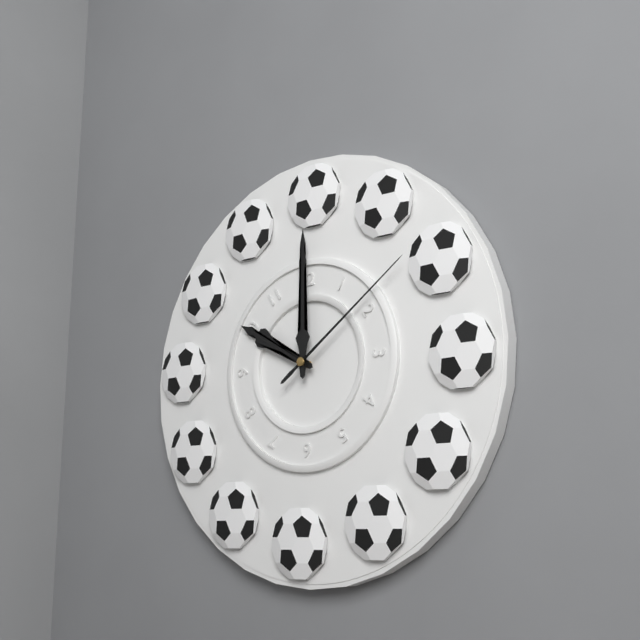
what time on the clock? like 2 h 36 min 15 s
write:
10 h 00 min 09 s
